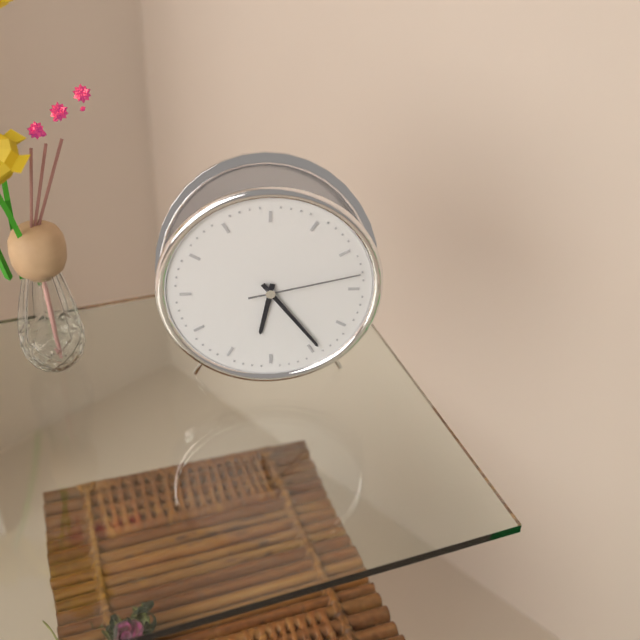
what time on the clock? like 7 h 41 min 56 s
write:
6 h 24 min 13 s
